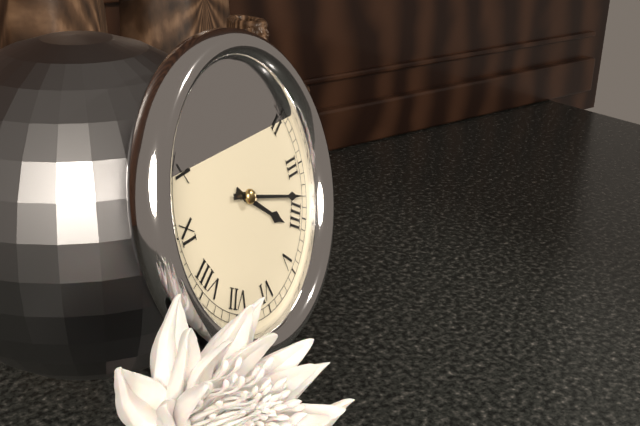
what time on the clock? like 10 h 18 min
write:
4 h 18 min
